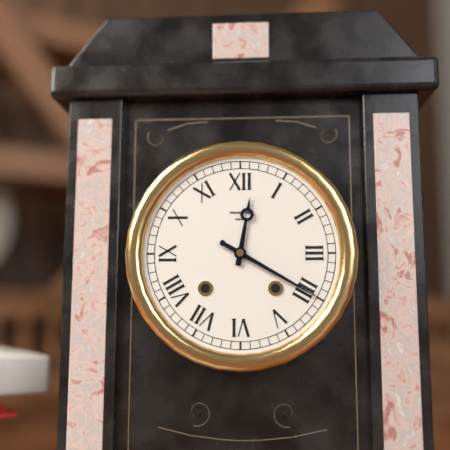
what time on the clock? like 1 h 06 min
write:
12 h 20 min
